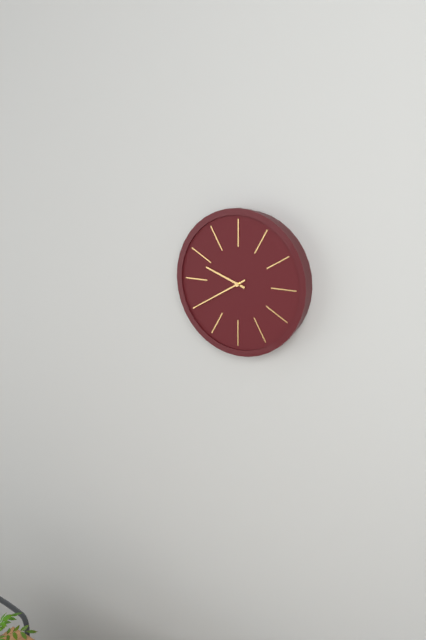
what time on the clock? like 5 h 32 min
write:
9 h 40 min
